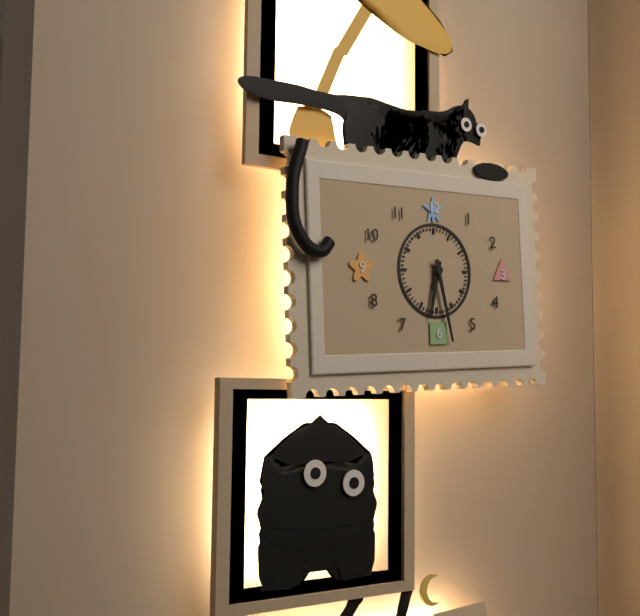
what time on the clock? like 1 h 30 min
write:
6 h 28 min
